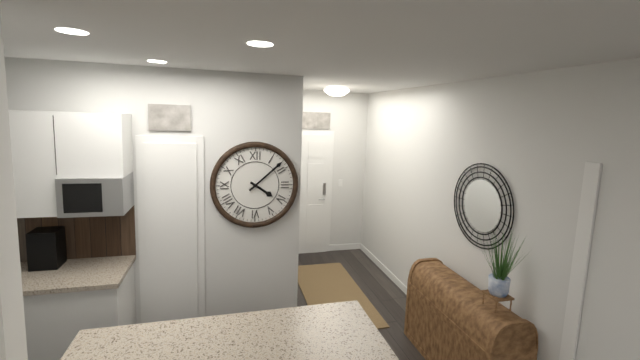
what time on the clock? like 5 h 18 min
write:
4 h 08 min
